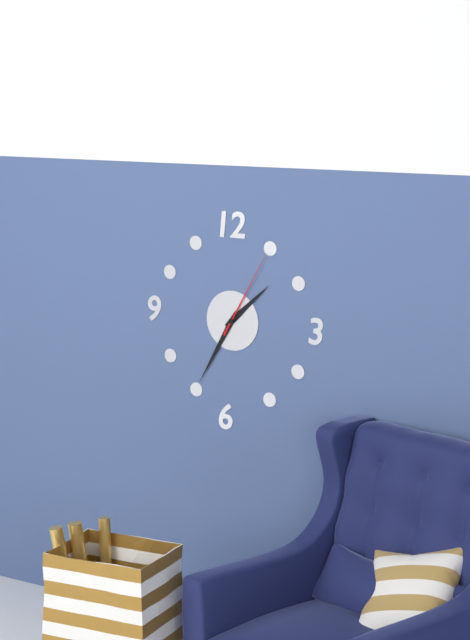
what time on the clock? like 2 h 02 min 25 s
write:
1 h 35 min 05 s
